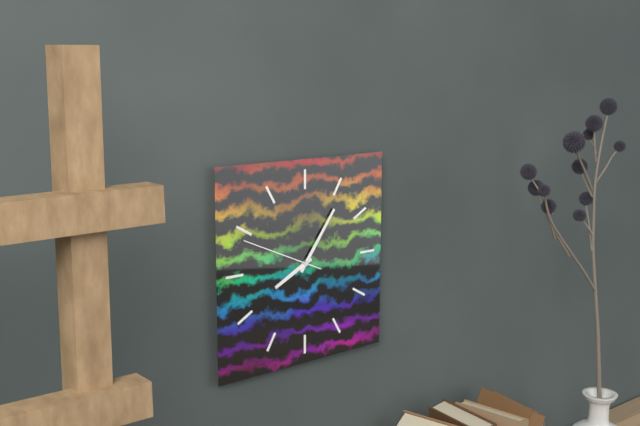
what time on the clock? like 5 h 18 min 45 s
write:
8 h 06 min 49 s
